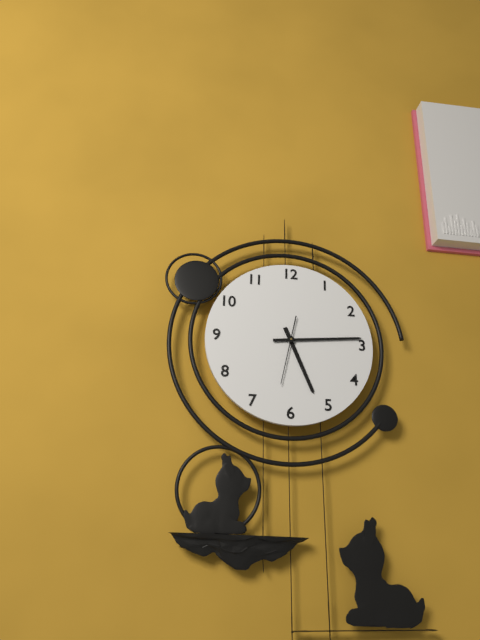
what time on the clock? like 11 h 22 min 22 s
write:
5 h 14 min 32 s
